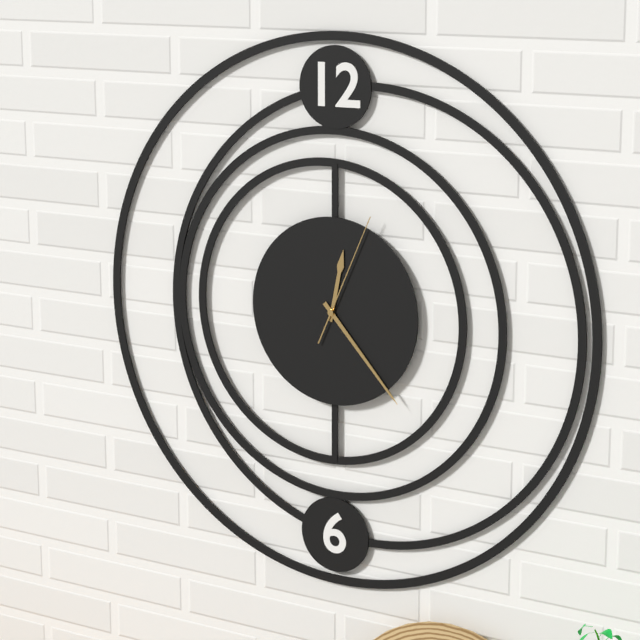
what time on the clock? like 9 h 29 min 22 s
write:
12 h 23 min 04 s
